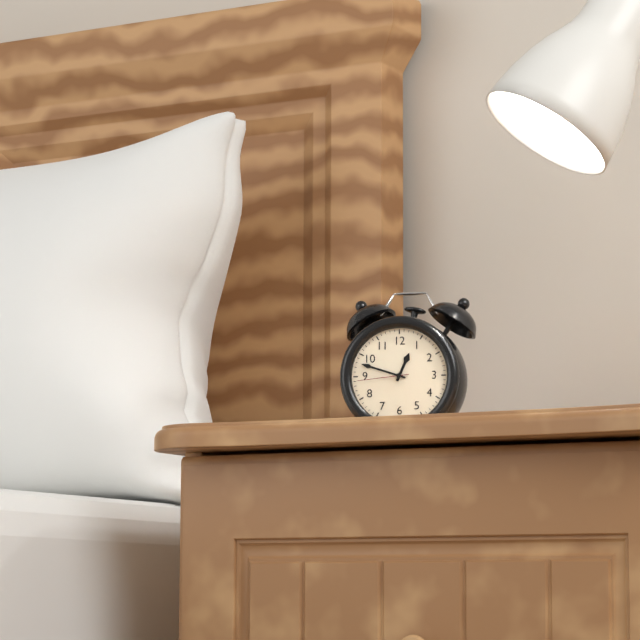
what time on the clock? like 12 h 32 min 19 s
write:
12 h 48 min 44 s
